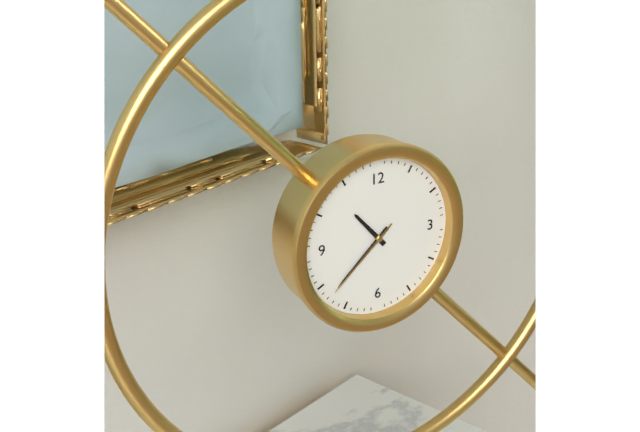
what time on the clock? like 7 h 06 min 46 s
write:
10 h 38 min 38 s
